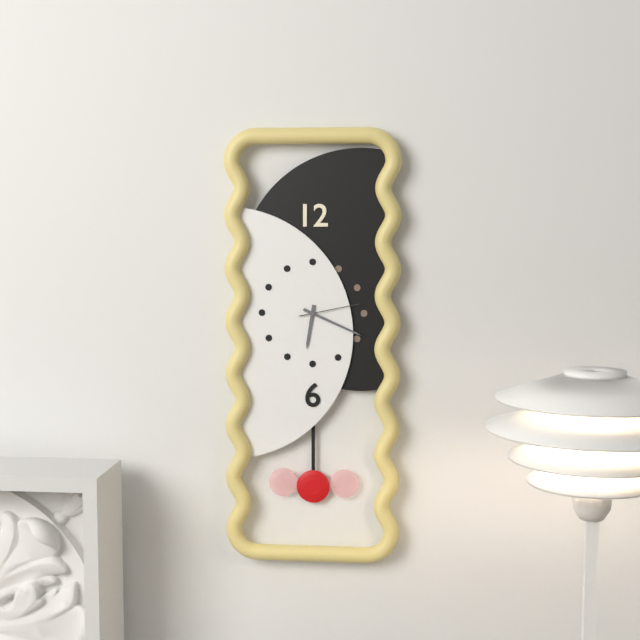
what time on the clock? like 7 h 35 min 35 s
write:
6 h 19 min 13 s
